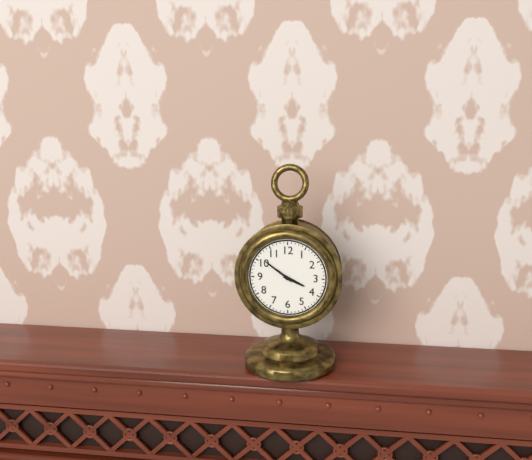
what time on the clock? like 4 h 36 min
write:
3 h 51 min
